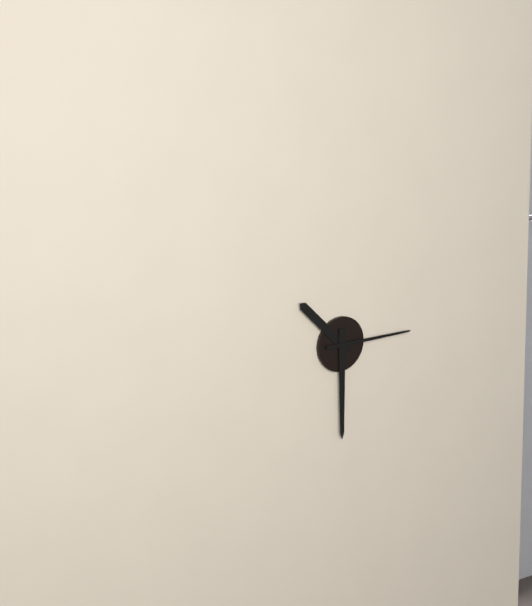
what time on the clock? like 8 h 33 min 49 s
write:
10 h 30 min 15 s
